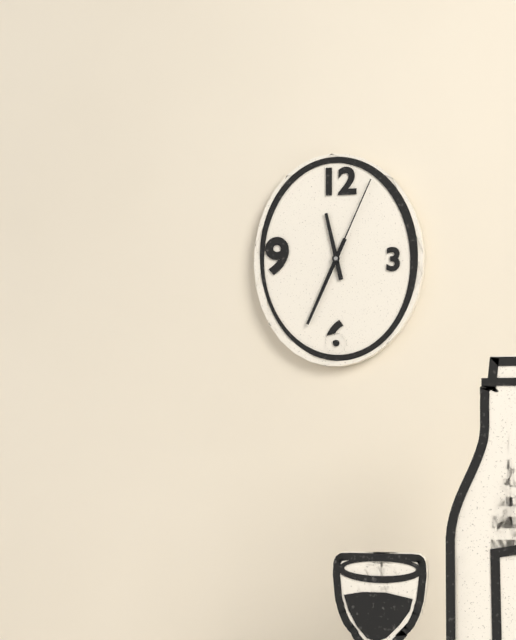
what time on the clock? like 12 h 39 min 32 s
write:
11 h 34 min 04 s
